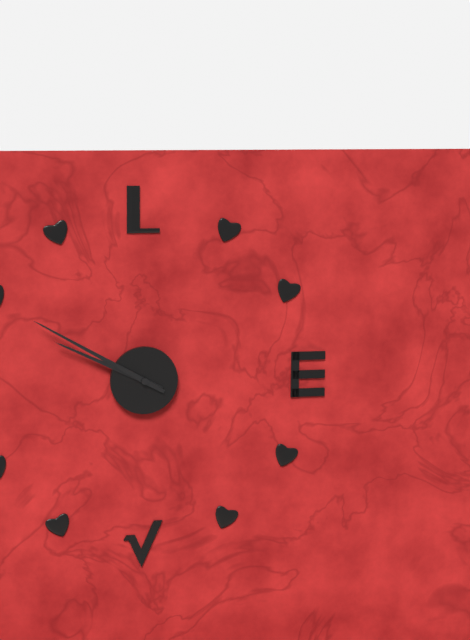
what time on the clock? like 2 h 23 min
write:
9 h 50 min
